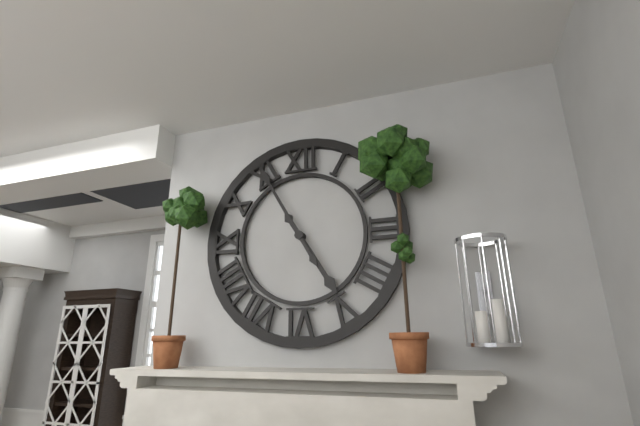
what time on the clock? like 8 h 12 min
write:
4 h 55 min
